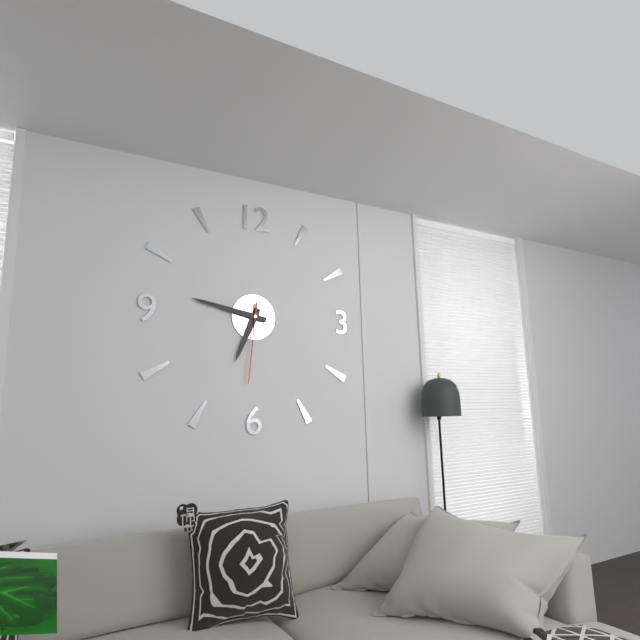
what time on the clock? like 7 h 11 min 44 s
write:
6 h 47 min 31 s
